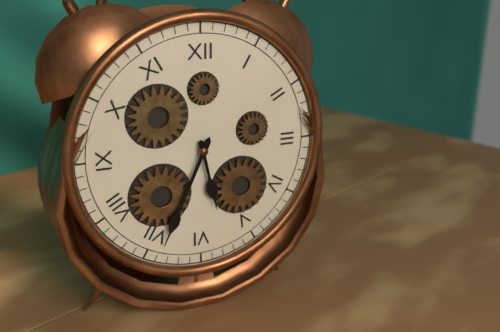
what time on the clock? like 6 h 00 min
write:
5 h 34 min
